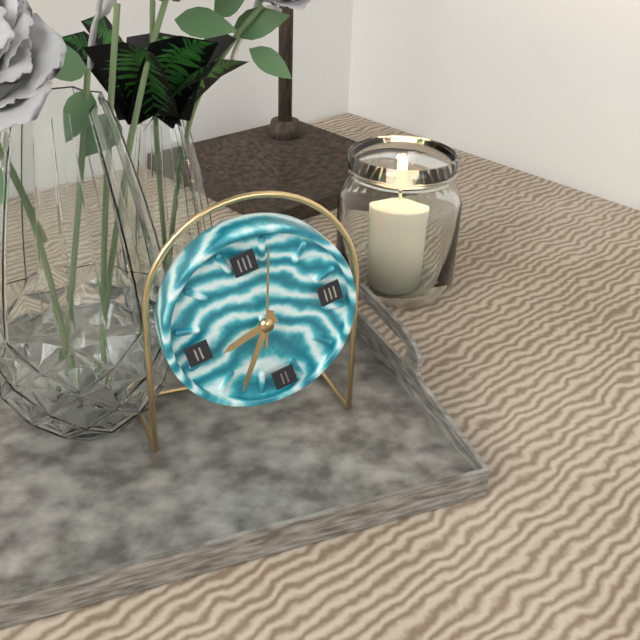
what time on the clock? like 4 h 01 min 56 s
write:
8 h 36 min 03 s
